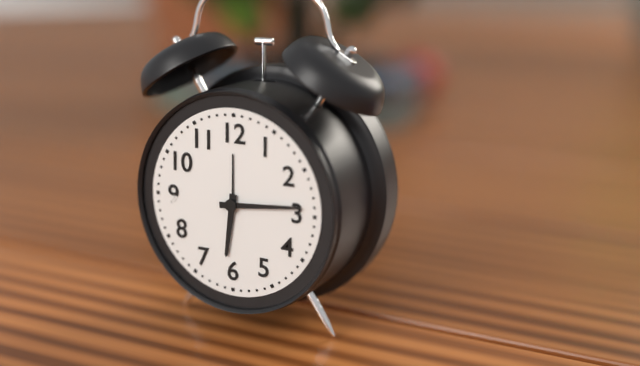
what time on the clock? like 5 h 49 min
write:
6 h 14 min
